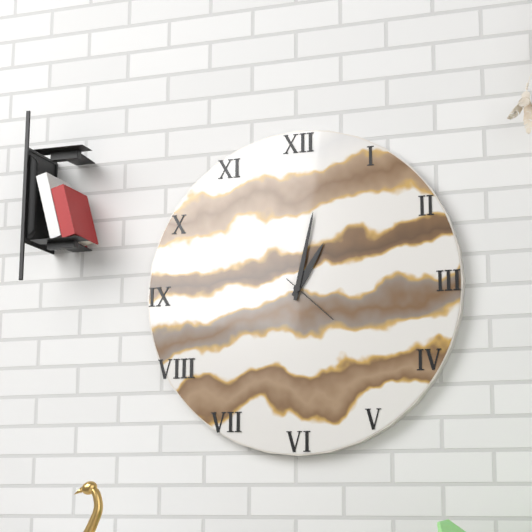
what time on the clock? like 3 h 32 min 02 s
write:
1 h 02 min 22 s
